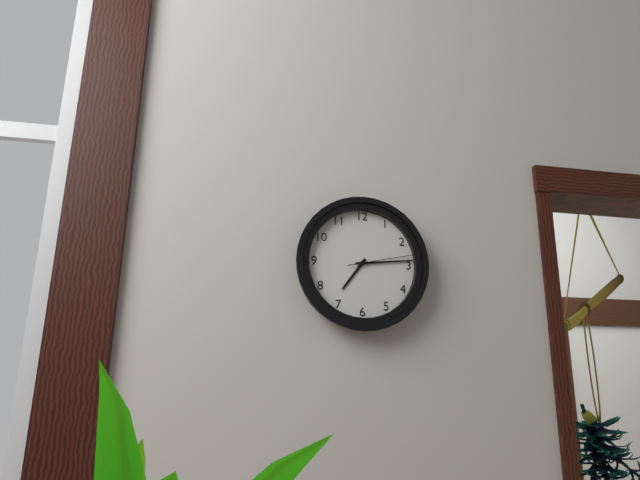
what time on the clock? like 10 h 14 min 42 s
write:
7 h 14 min 13 s
